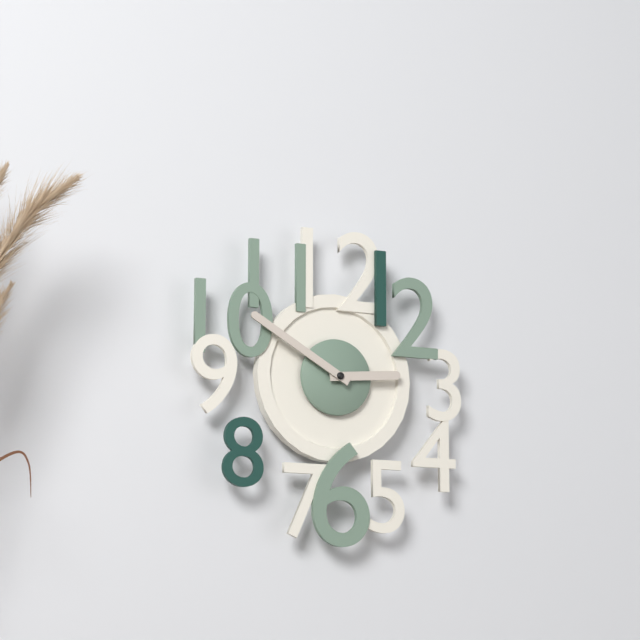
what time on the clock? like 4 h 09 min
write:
2 h 50 min
